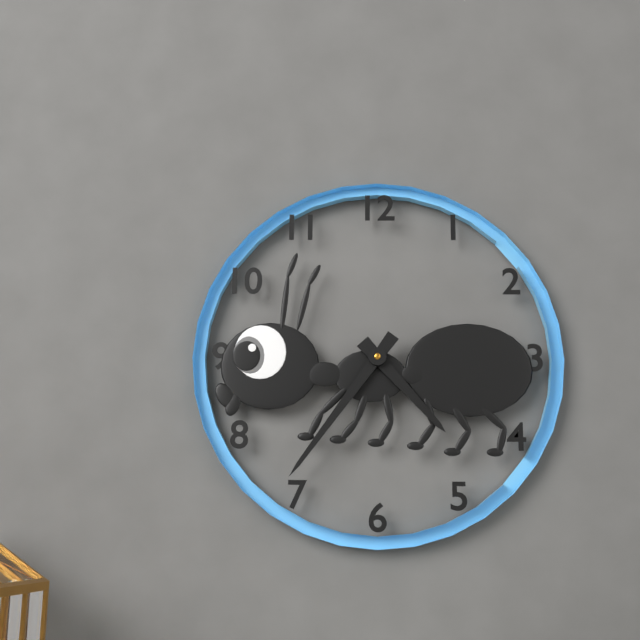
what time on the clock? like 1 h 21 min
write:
4 h 36 min
